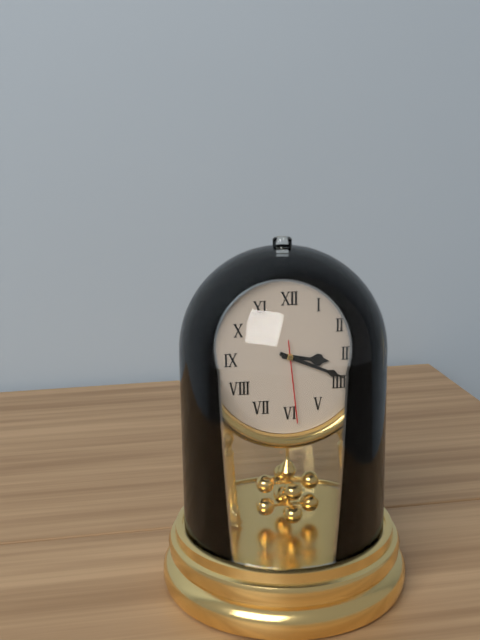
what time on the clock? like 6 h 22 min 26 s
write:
3 h 19 min 29 s
